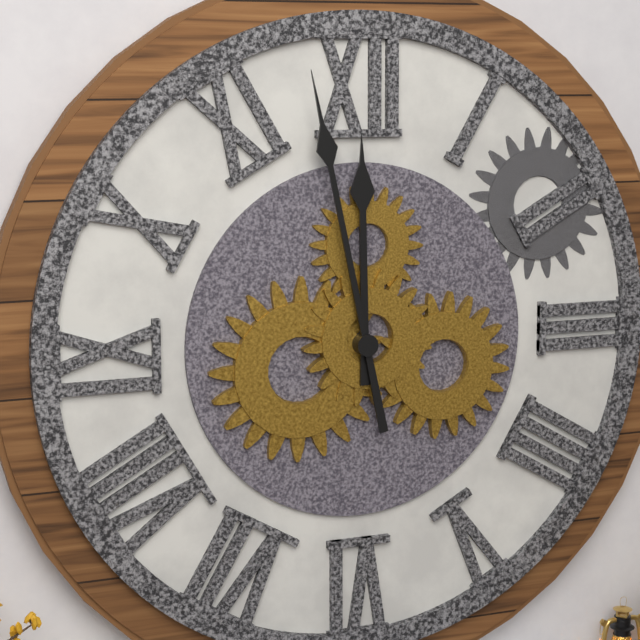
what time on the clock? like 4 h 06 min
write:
11 h 58 min
